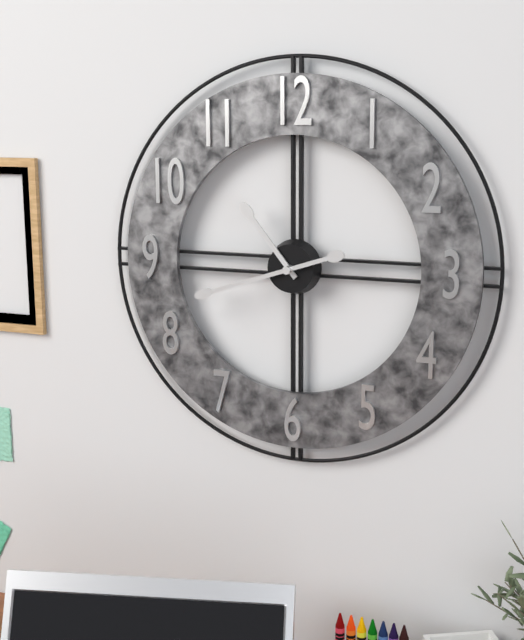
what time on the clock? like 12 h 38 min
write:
10 h 42 min
